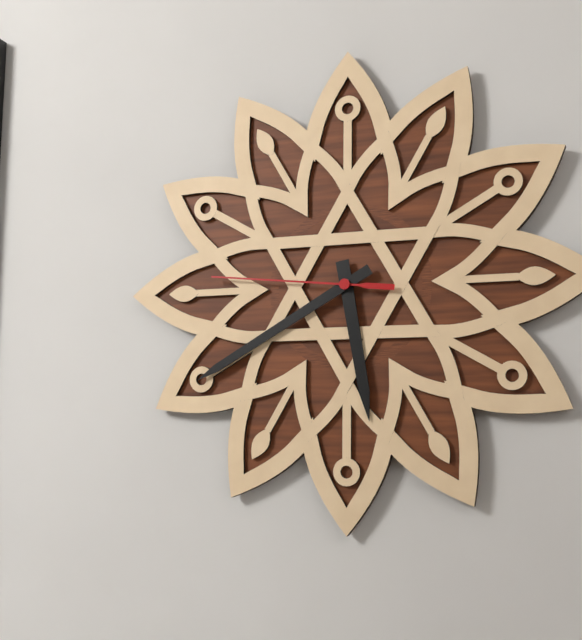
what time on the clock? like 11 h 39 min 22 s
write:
5 h 40 min 46 s
